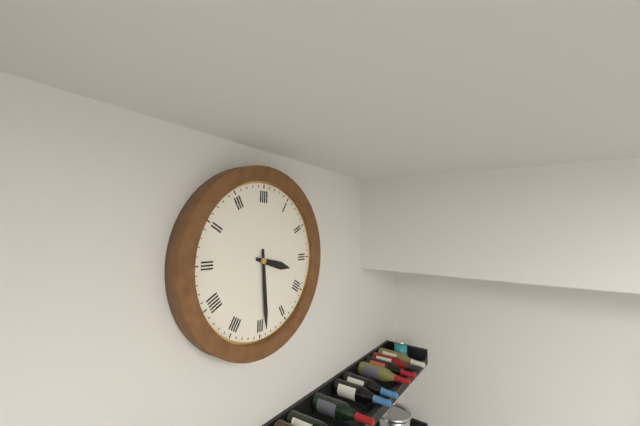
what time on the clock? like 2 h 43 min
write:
3 h 29 min
